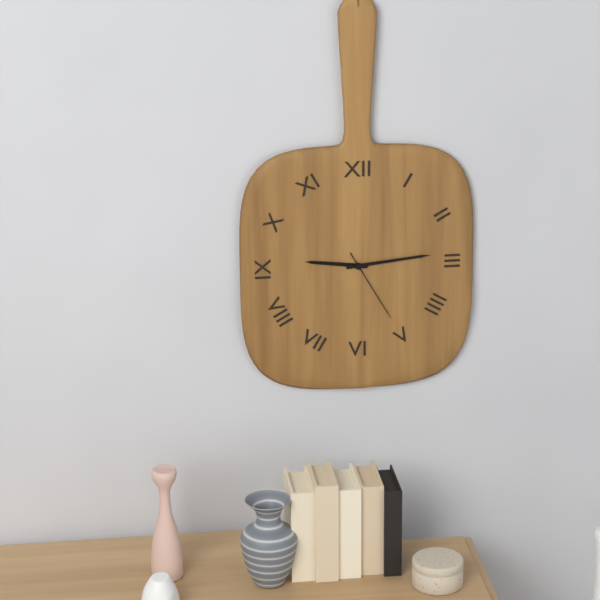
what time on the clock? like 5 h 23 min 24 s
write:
9 h 14 min 25 s
